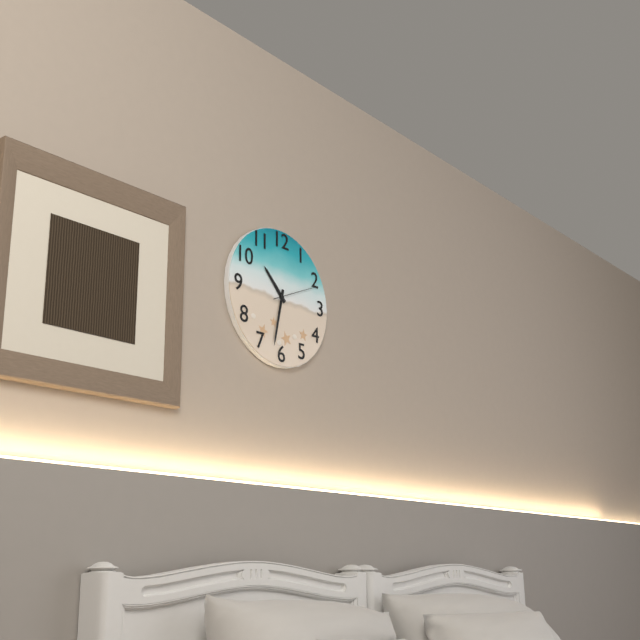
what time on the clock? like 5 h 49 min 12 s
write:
10 h 32 min 11 s
